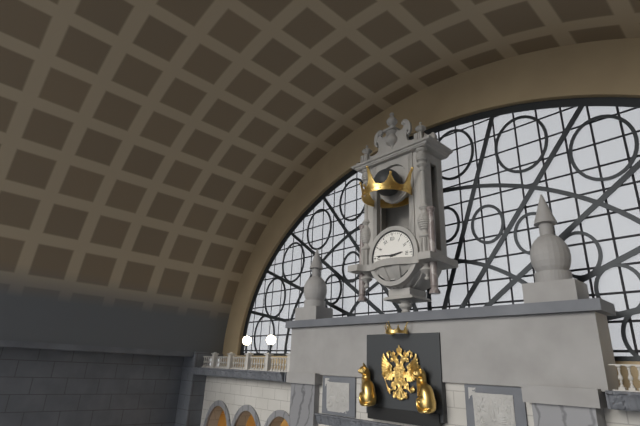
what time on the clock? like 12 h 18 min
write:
2 h 46 min
